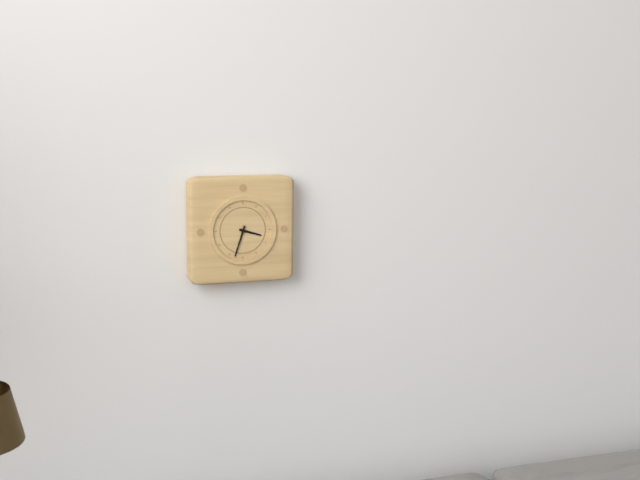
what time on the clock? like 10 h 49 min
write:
3 h 33 min
